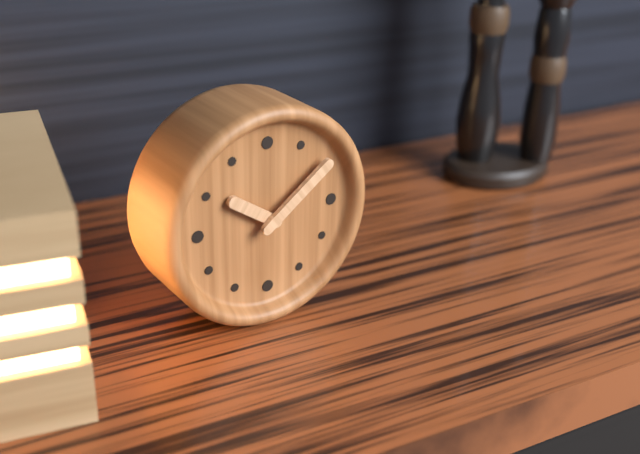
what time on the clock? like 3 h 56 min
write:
10 h 09 min
